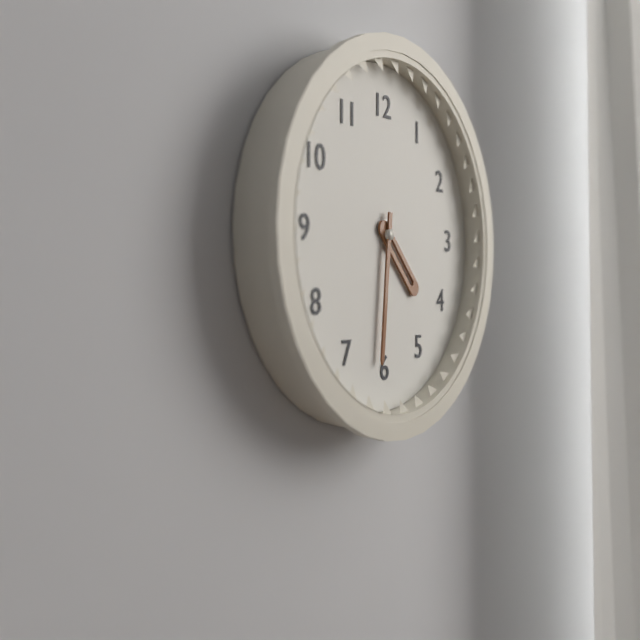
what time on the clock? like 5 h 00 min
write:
4 h 31 min
